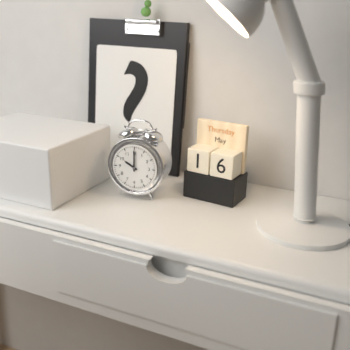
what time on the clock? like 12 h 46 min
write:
10 h 00 min
